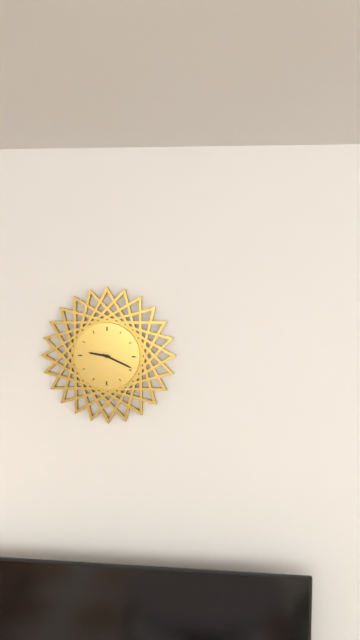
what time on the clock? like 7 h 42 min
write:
9 h 19 min
